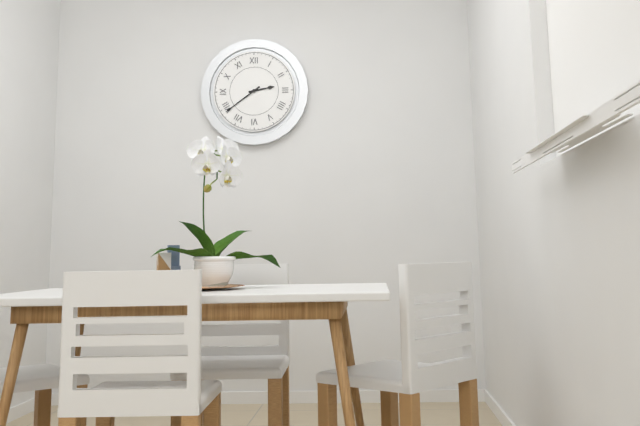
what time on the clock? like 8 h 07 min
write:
2 h 39 min
